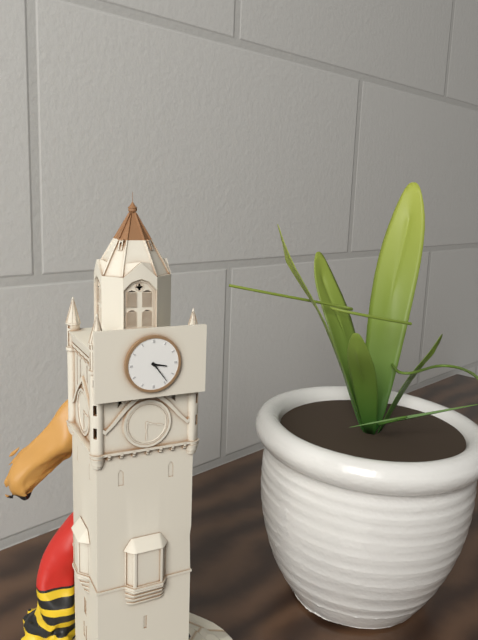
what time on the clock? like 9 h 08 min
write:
3 h 24 min
